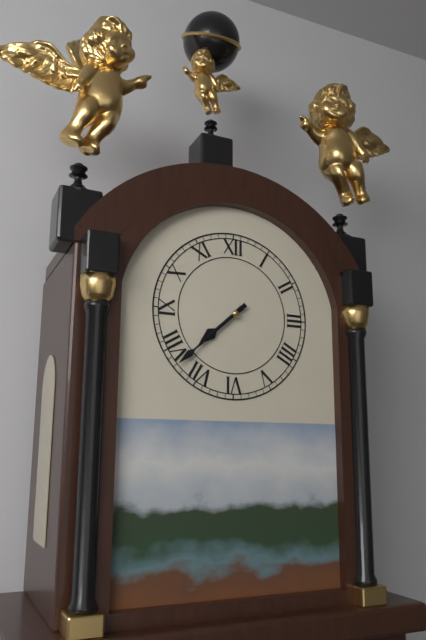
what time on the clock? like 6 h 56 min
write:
7 h 38 min
